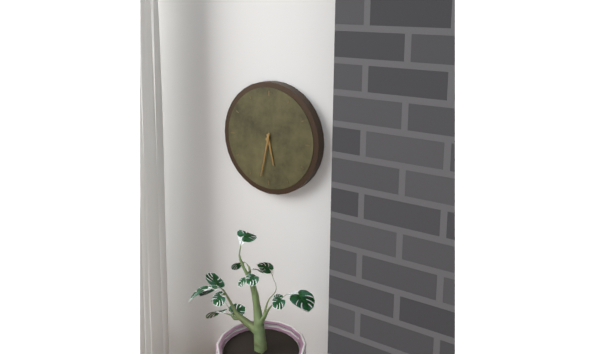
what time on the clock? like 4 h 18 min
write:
5 h 32 min
